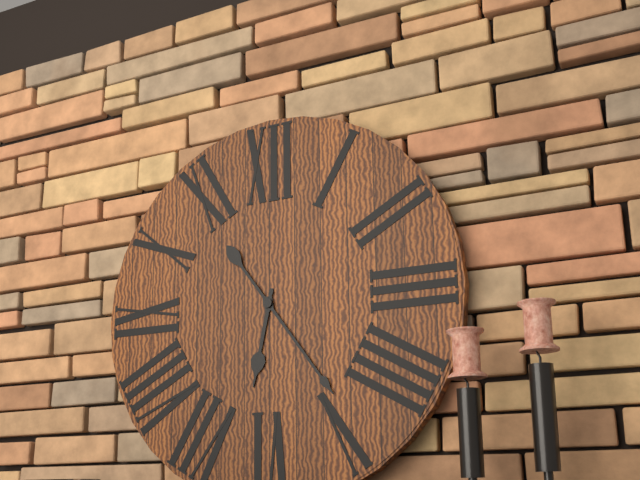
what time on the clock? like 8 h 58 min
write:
6 h 24 min
